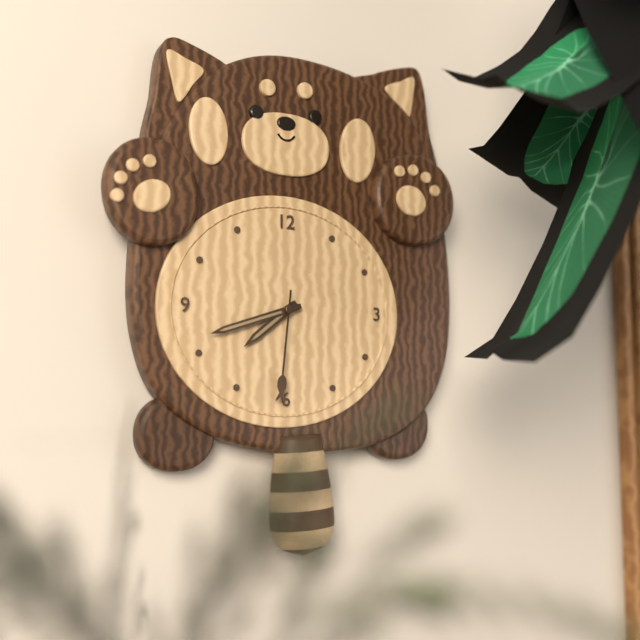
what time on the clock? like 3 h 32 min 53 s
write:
7 h 42 min 31 s
